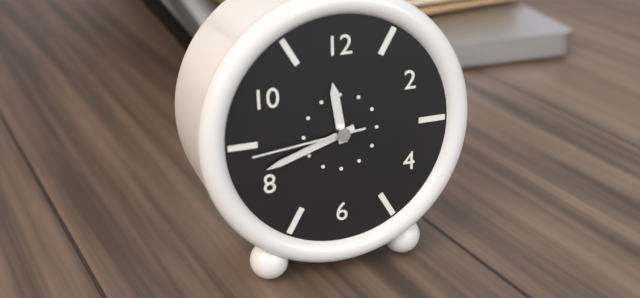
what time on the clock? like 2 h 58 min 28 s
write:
11 h 42 min 44 s
